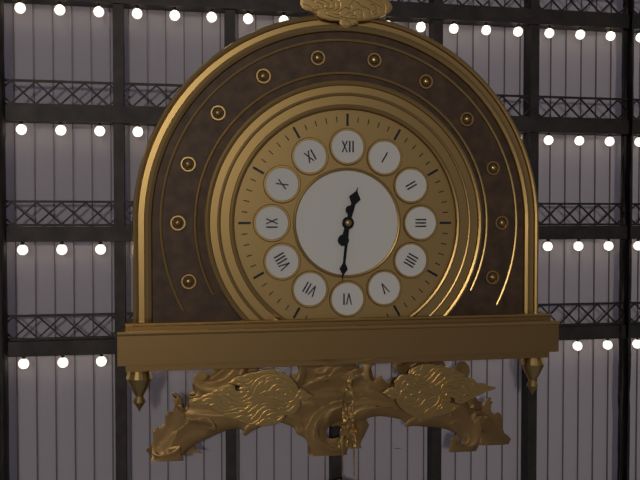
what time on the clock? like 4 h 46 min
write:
12 h 31 min
